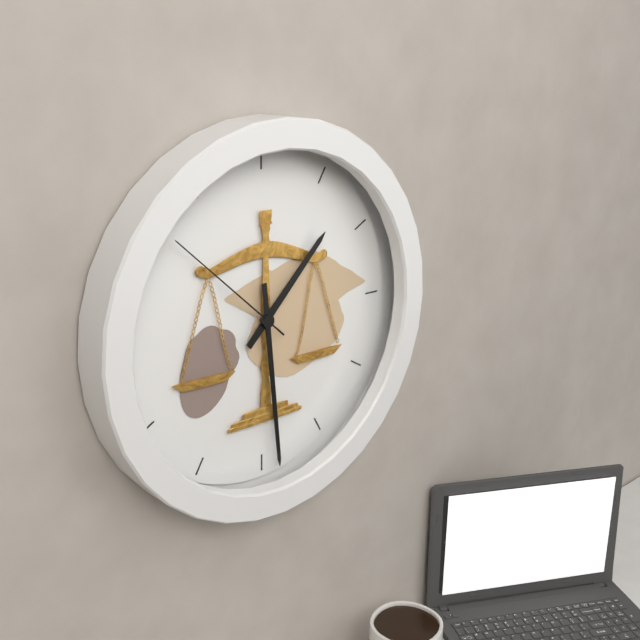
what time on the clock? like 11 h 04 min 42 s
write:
1 h 29 min 52 s
